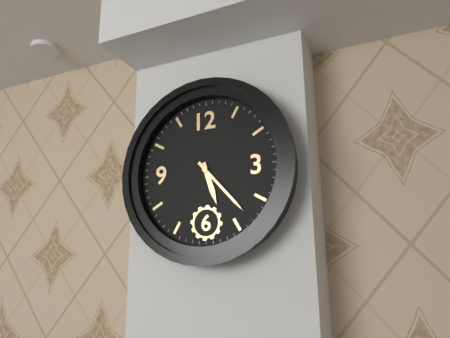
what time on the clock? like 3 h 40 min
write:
5 h 23 min
